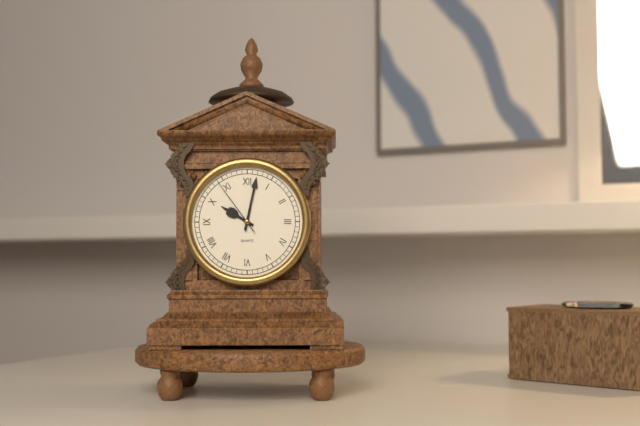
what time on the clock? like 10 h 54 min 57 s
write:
10 h 02 min 54 s
